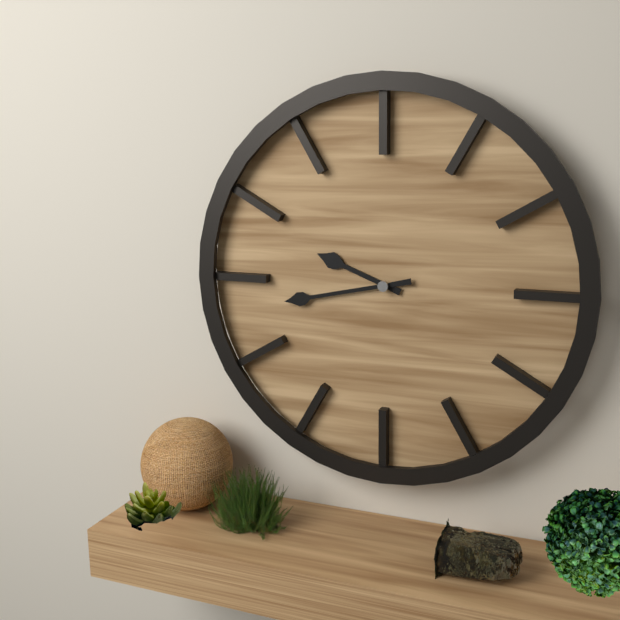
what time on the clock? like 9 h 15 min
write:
9 h 43 min
